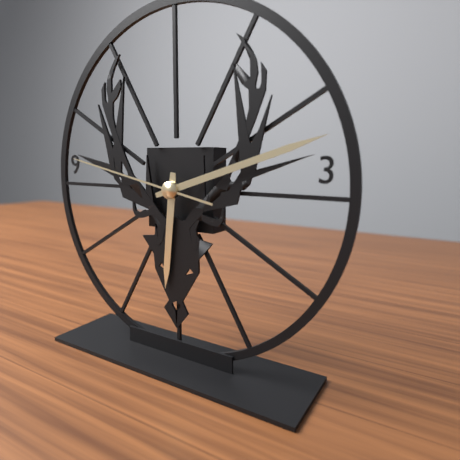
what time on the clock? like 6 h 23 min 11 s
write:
6 h 12 min 47 s
